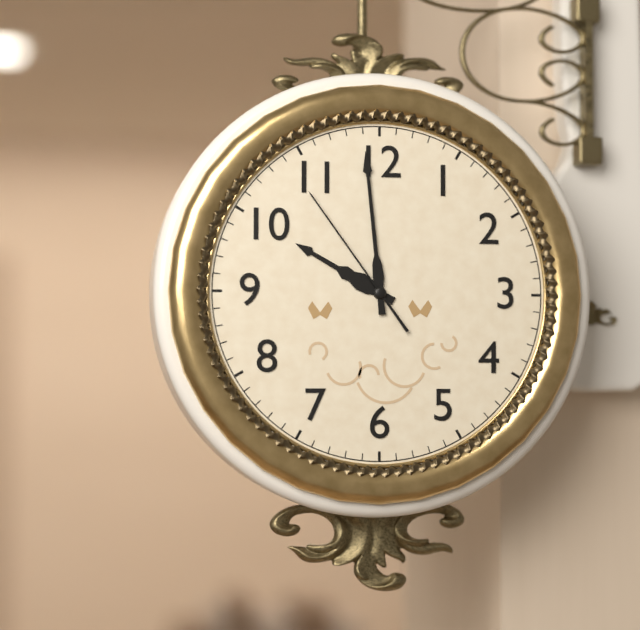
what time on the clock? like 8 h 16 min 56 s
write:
9 h 59 min 54 s
